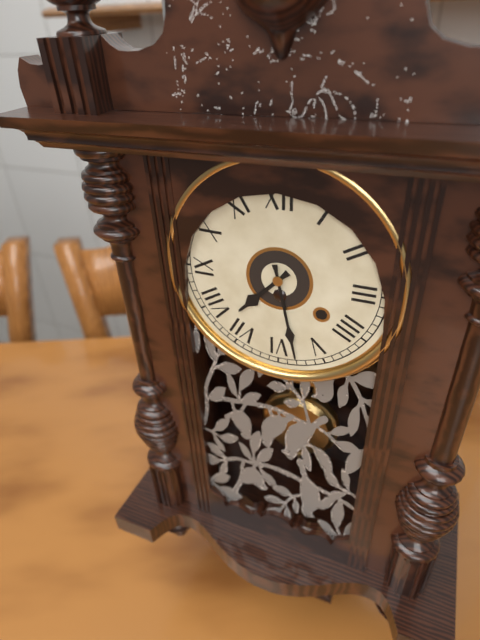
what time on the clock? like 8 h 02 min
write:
7 h 28 min
